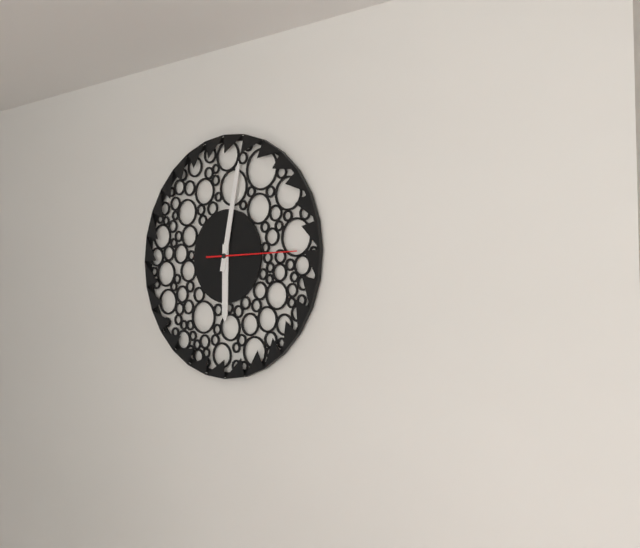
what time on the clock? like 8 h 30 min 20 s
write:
6 h 02 min 15 s
